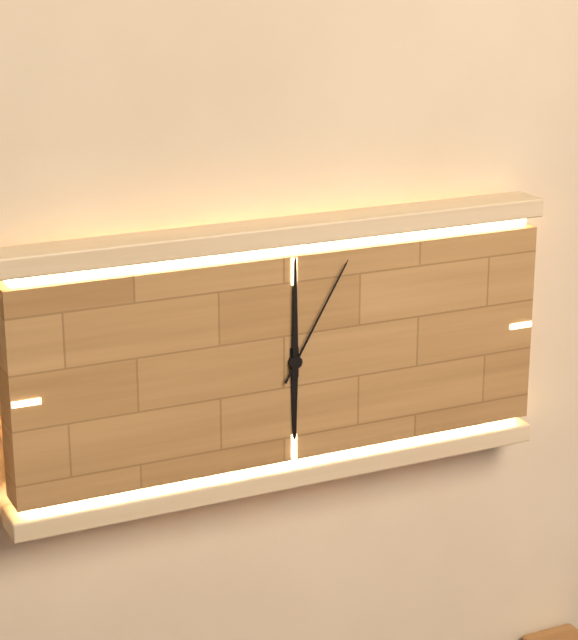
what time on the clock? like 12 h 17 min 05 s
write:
6 h 00 min 05 s
